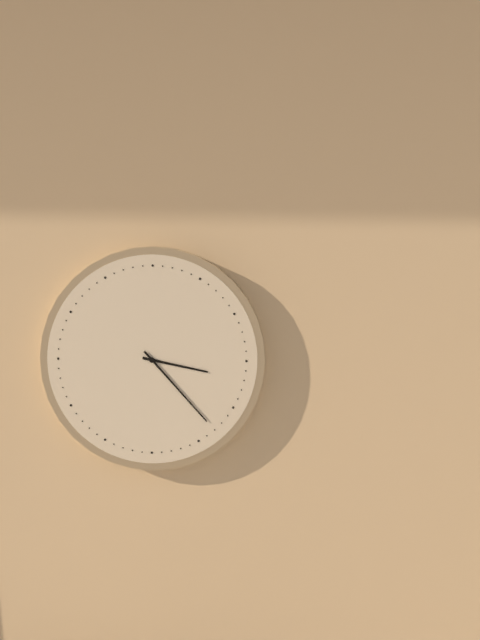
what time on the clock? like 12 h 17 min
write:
3 h 23 min
